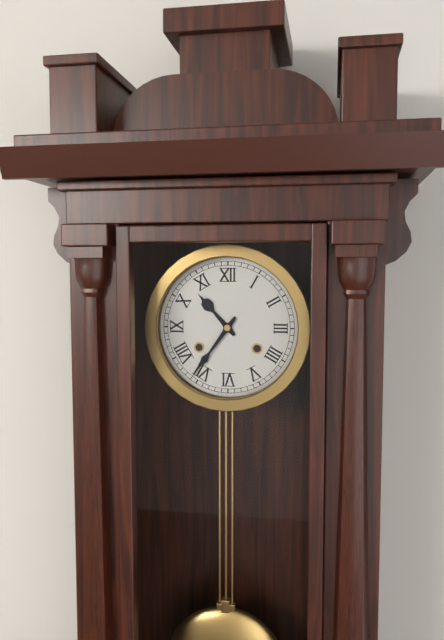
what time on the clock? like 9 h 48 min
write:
10 h 36 min
